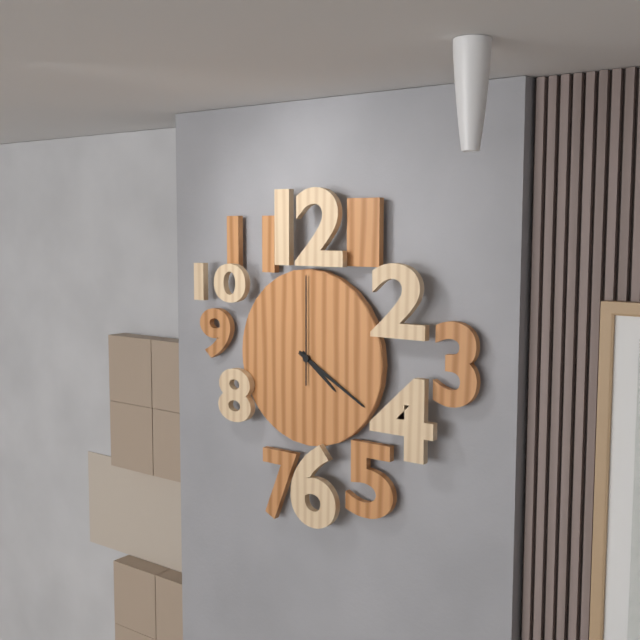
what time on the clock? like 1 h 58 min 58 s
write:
4 h 20 min 00 s
